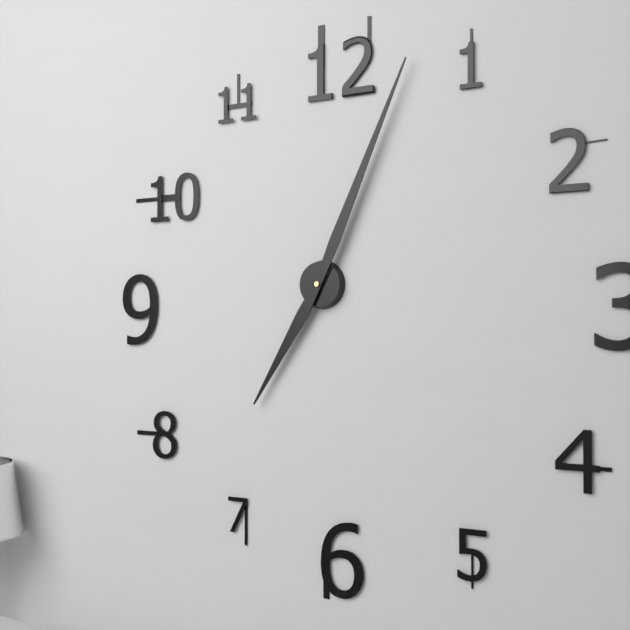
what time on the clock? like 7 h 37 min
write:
7 h 04 min
